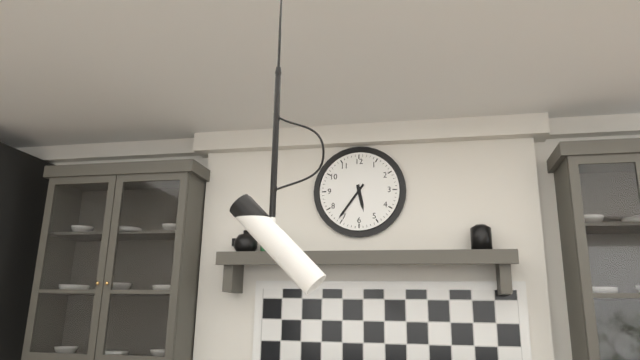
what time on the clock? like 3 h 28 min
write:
5 h 36 min
